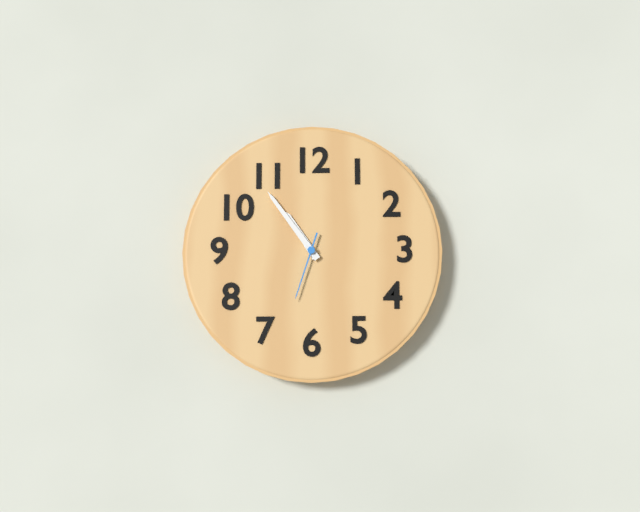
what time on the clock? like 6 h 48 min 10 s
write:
10 h 54 min 33 s
